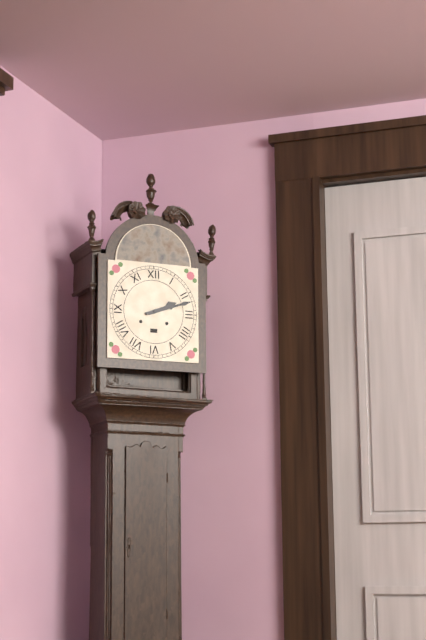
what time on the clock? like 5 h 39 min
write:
2 h 12 min
